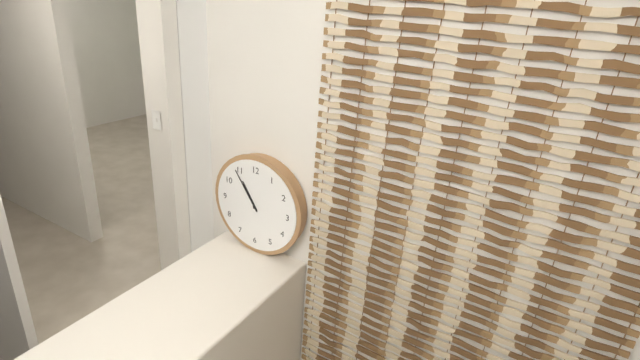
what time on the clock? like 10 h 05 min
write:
10 h 54 min
